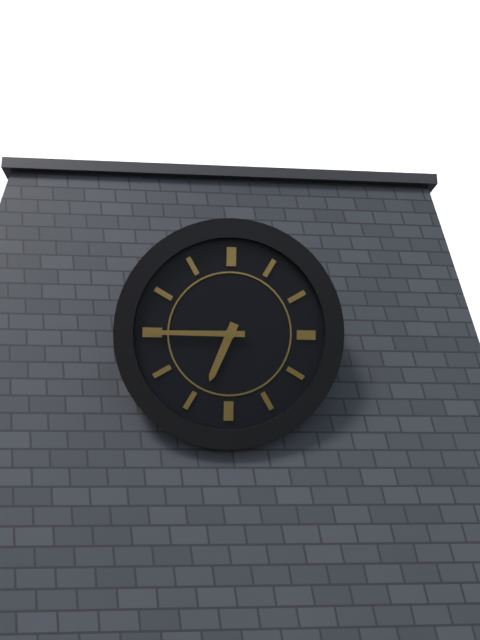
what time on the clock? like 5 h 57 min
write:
6 h 45 min
